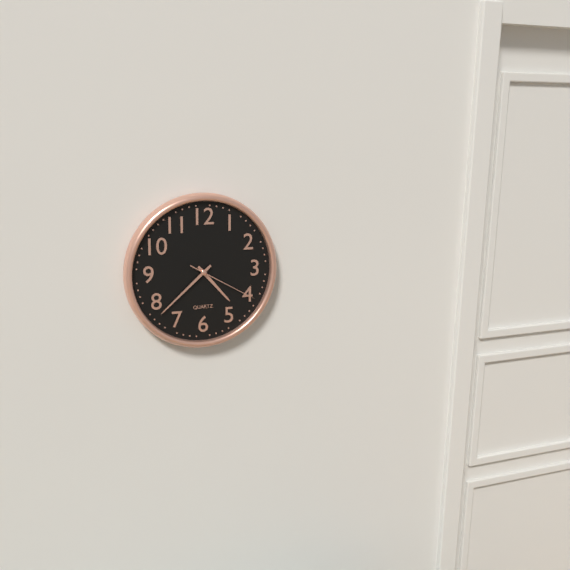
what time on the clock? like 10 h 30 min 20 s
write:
4 h 38 min 20 s
